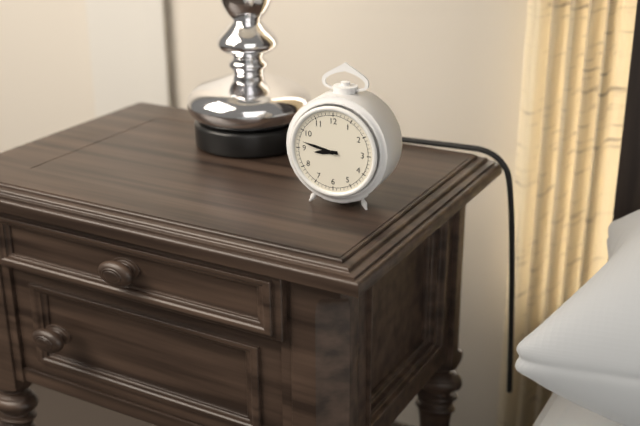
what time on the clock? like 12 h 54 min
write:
8 h 47 min
